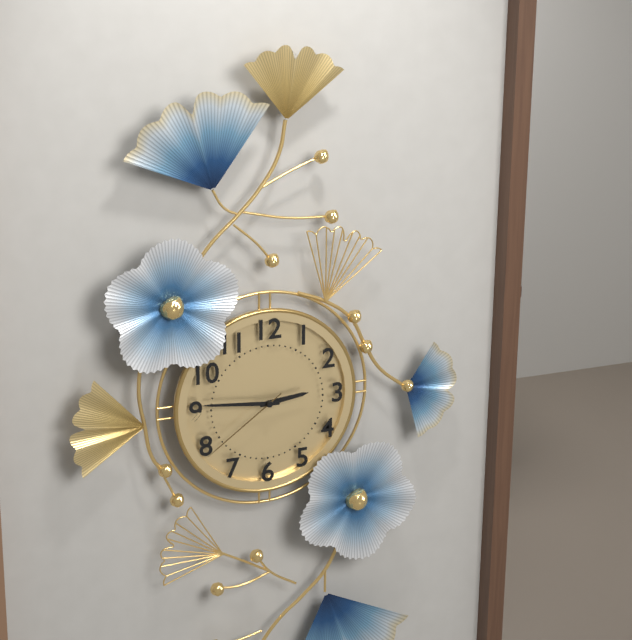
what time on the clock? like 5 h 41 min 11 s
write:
2 h 46 min 39 s
